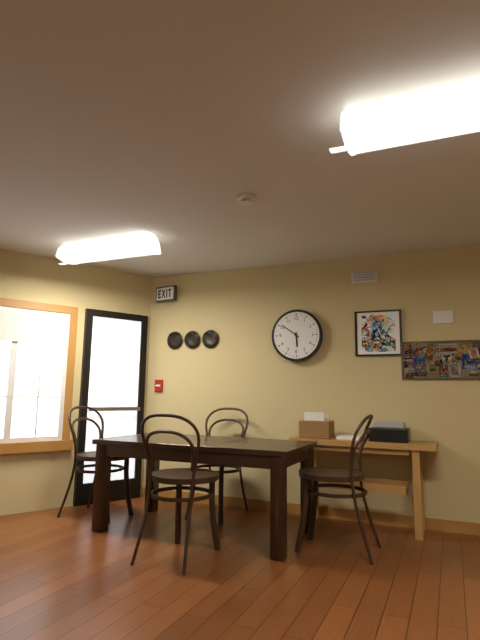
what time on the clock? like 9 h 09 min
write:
5 h 51 min
